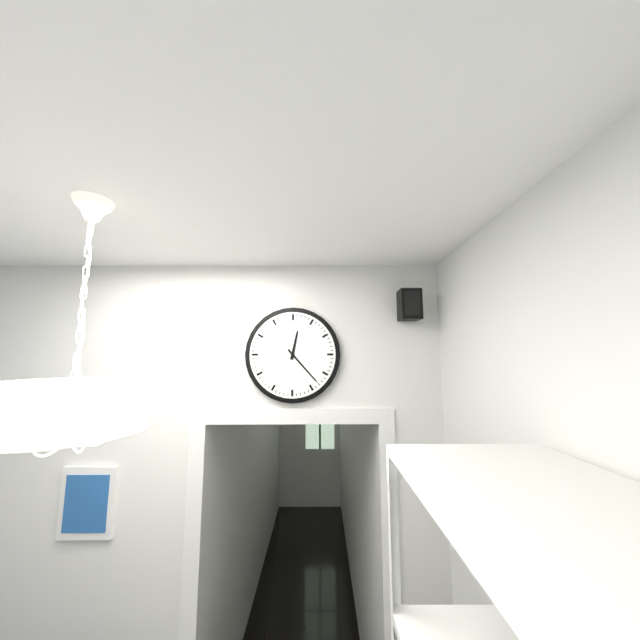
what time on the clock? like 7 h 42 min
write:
12 h 23 min
